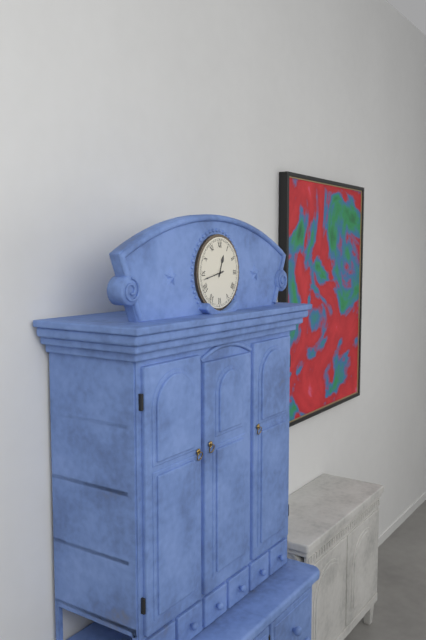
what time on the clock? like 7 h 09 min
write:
12 h 43 min
